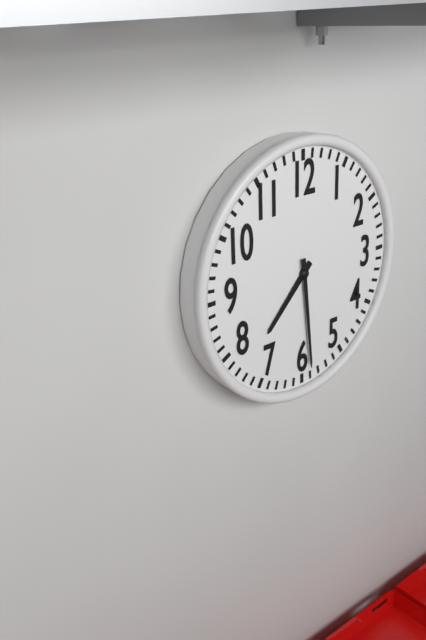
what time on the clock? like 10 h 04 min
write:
7 h 29 min
